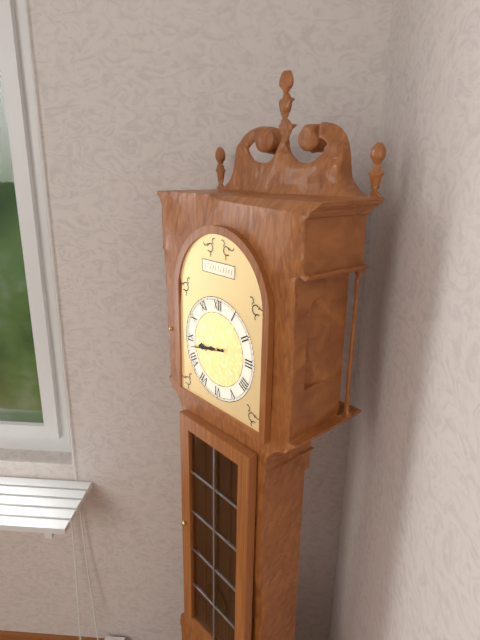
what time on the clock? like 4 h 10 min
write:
8 h 43 min
